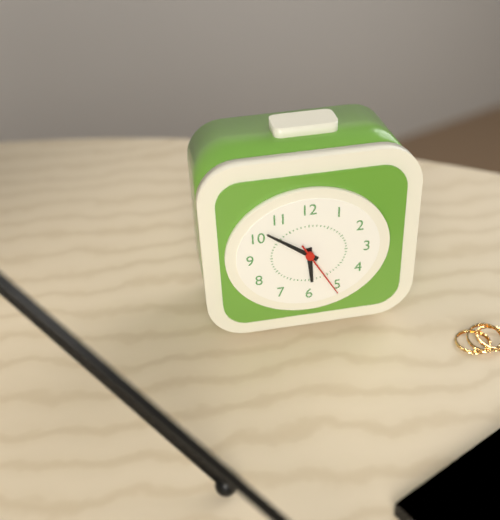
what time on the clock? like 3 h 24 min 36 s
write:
5 h 51 min 25 s
